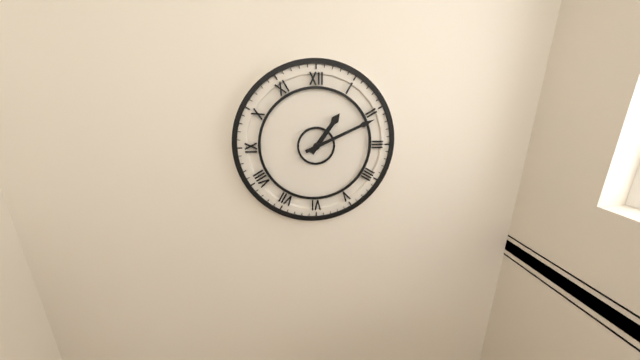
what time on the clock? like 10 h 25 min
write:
1 h 11 min
